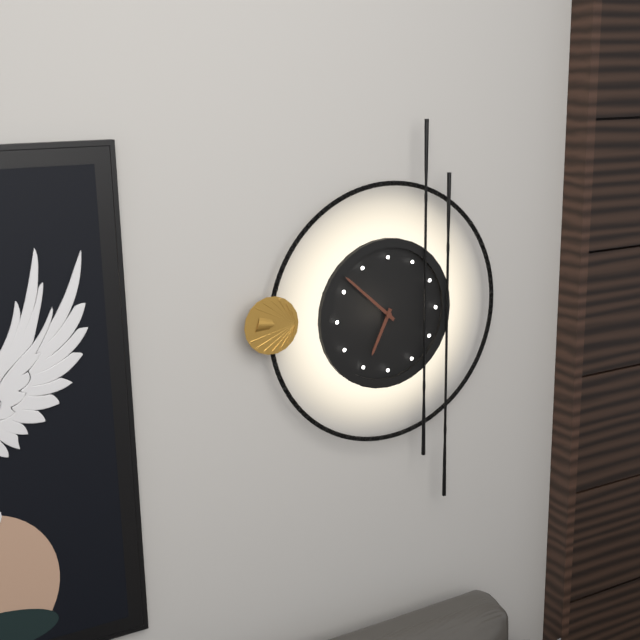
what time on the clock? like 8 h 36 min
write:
6 h 52 min
